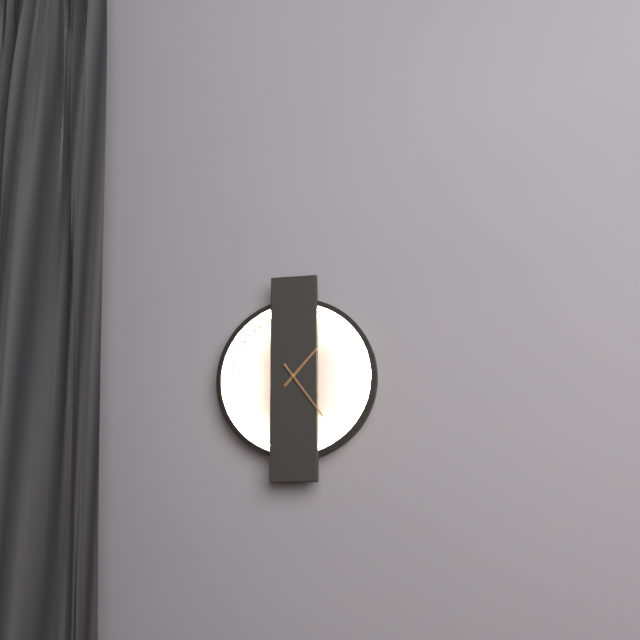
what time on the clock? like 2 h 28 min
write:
1 h 24 min
